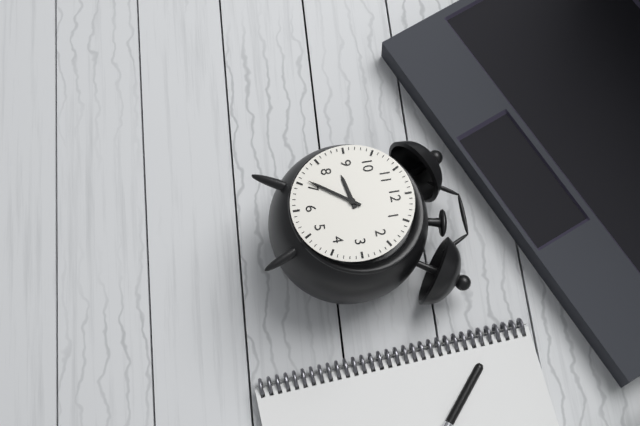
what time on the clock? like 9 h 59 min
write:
8 h 36 min
